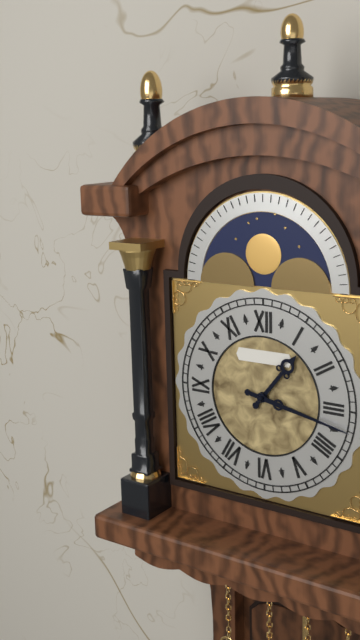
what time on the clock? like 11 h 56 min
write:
1 h 17 min
